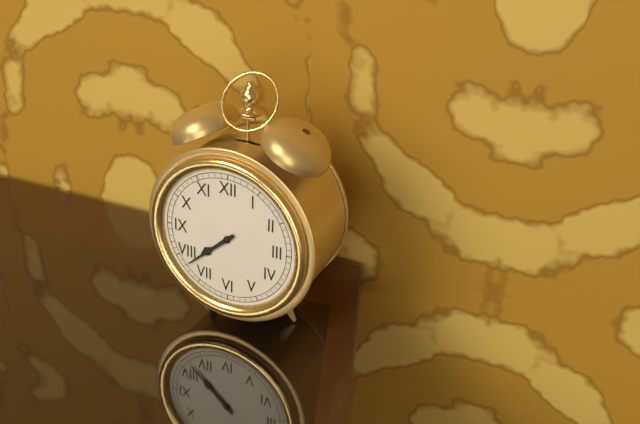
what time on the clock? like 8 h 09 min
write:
7 h 38 min
